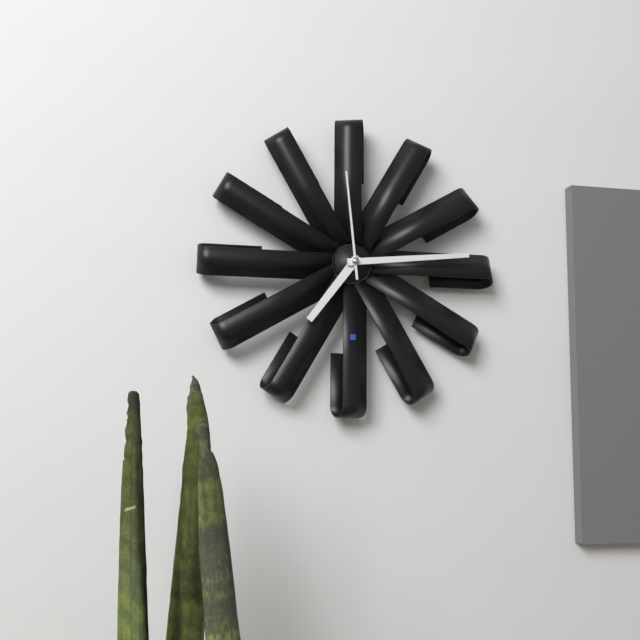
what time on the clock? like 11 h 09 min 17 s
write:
7 h 14 min 59 s
